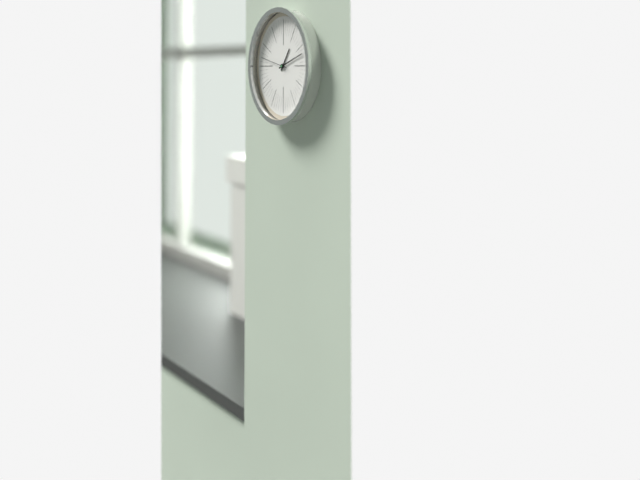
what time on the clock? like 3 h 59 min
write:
1 h 12 min
